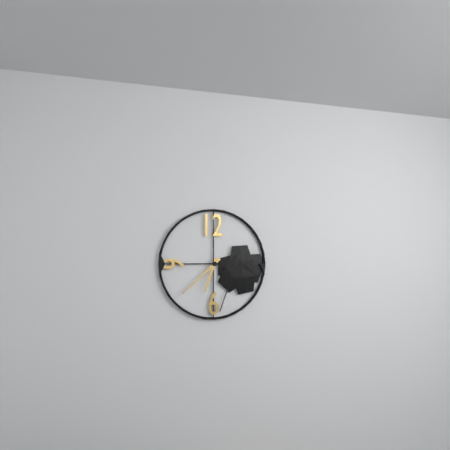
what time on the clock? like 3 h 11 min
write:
6 h 38 min
